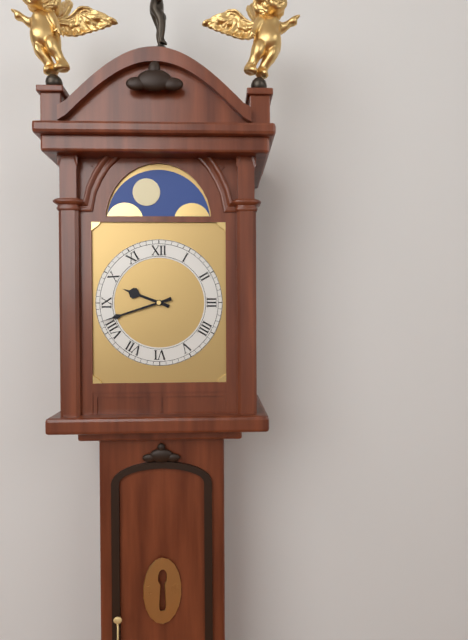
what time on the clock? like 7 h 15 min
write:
9 h 42 min
